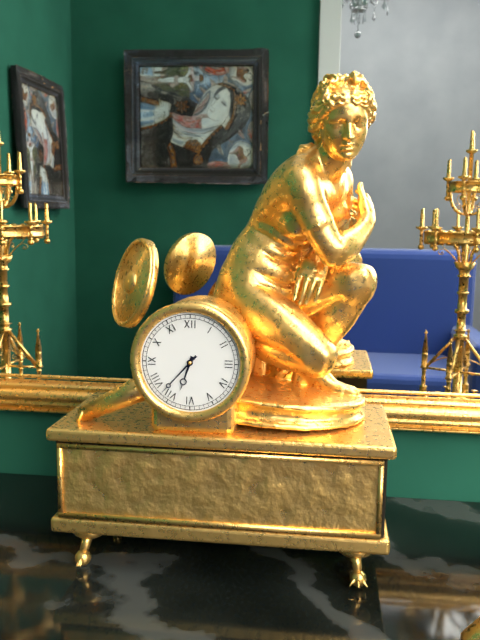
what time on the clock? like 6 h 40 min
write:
6 h 37 min
